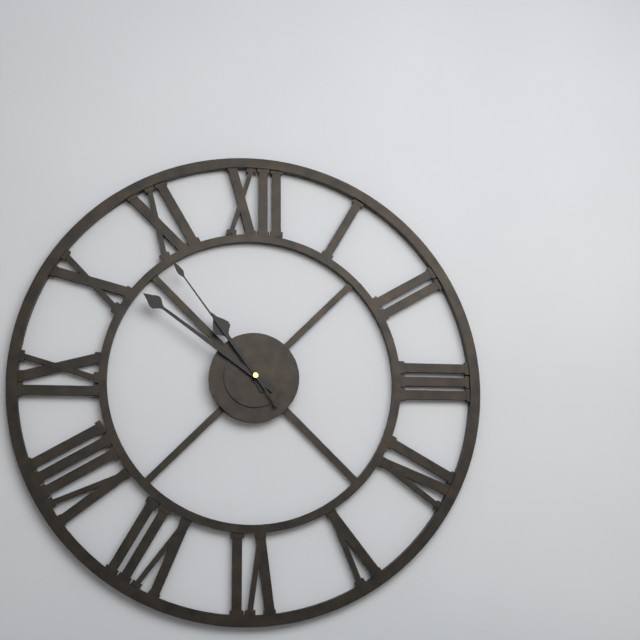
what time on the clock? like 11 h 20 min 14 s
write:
10 h 51 min 54 s
